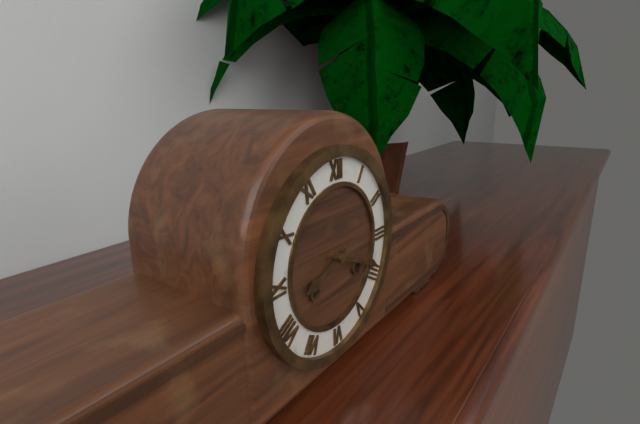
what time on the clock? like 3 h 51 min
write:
8 h 19 min
